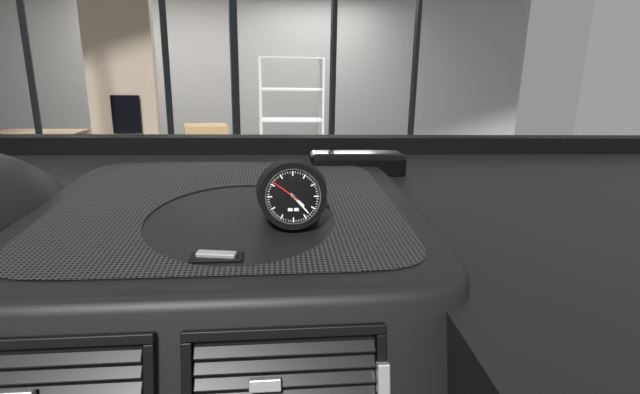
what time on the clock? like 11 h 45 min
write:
4 h 23 min
